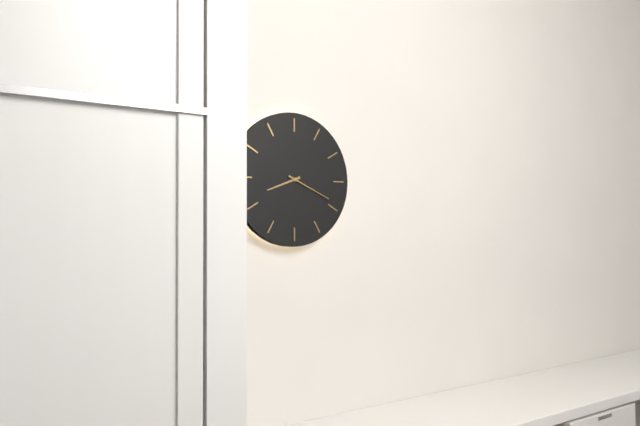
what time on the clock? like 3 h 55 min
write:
8 h 19 min
